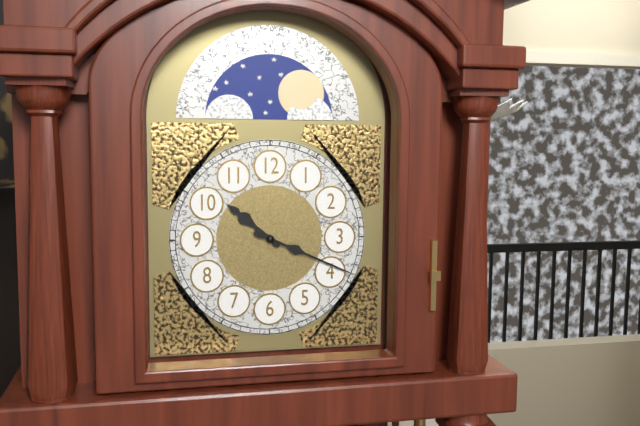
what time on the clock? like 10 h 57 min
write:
10 h 19 min
